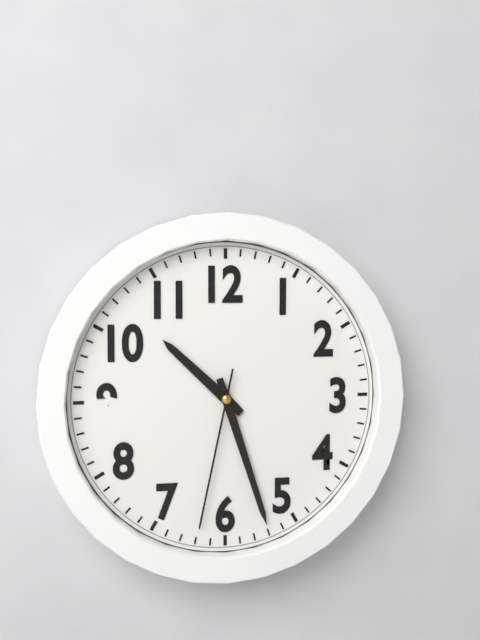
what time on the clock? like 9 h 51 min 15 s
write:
10 h 27 min 32 s
